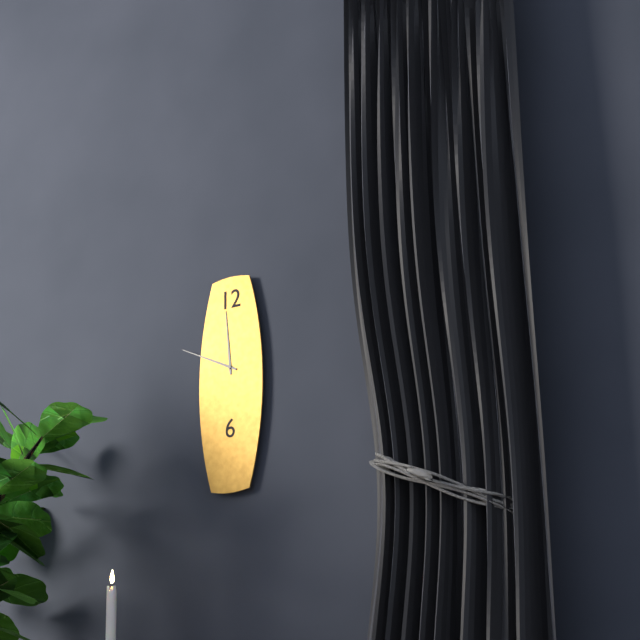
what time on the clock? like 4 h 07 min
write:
11 h 49 min
